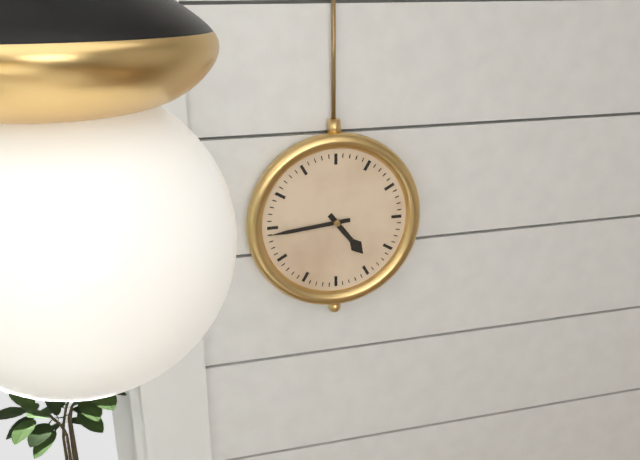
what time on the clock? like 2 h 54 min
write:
4 h 44 min
